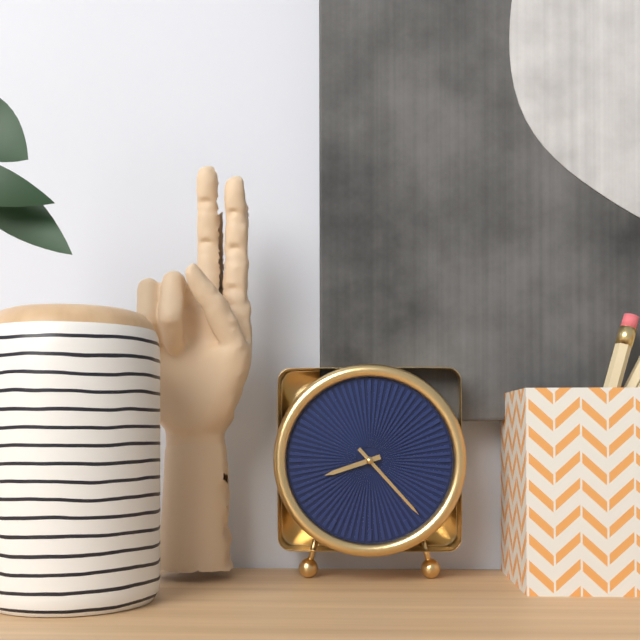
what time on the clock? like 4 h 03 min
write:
8 h 23 min
